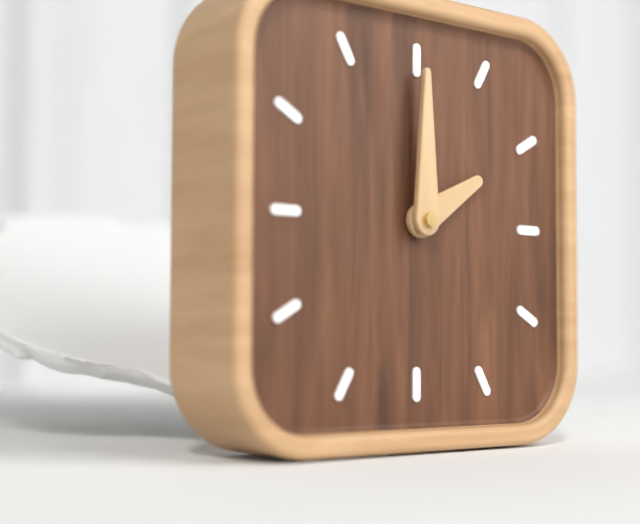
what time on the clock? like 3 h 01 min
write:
2 h 00 min
